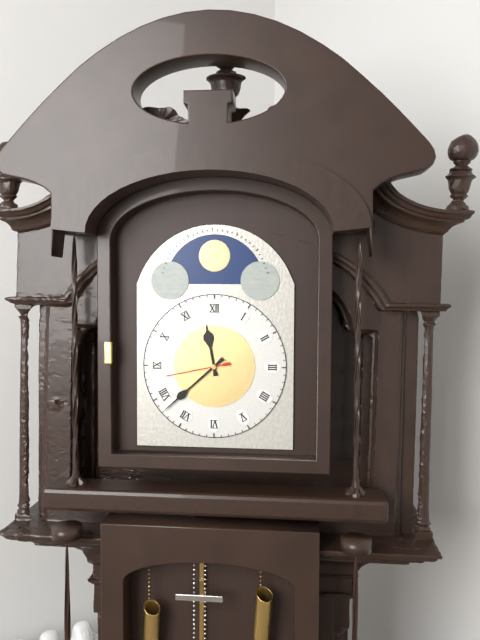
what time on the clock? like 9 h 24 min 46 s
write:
11 h 38 min 43 s
